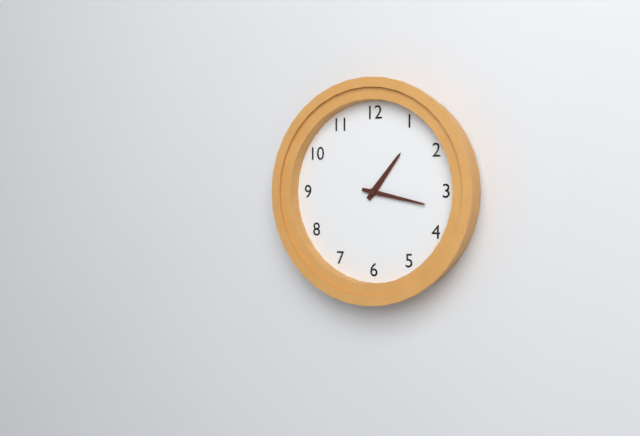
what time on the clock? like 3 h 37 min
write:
1 h 17 min
